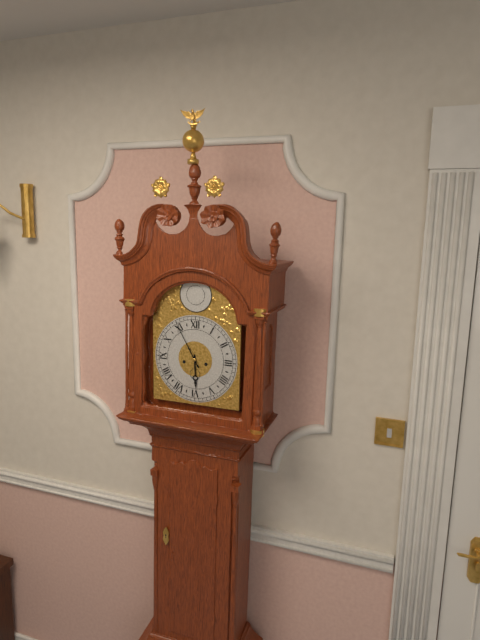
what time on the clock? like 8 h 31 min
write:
5 h 55 min
